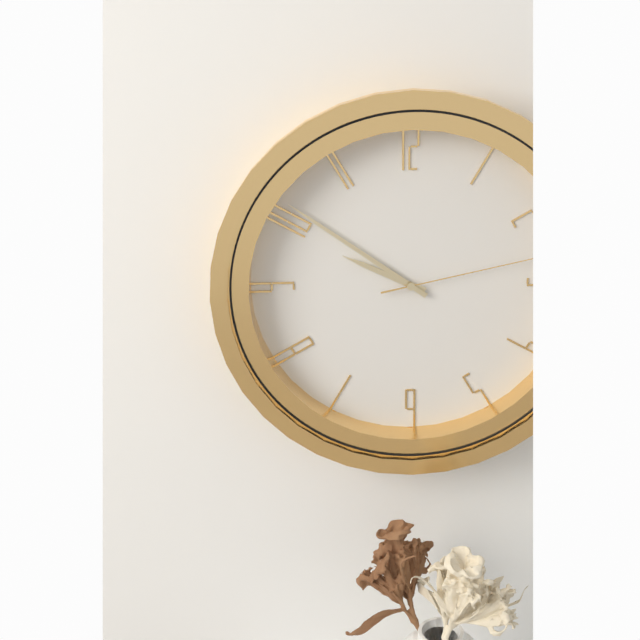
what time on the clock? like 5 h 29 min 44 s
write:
9 h 51 min 13 s
